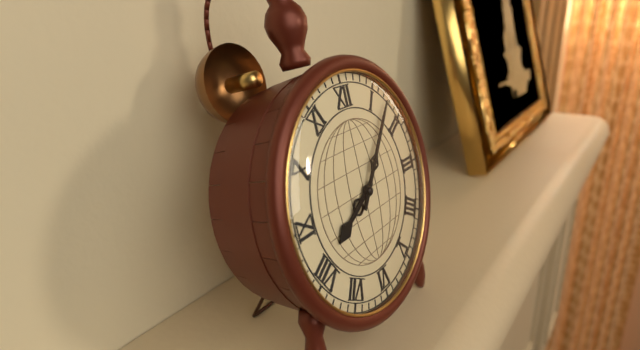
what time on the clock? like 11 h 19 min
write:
8 h 07 min
